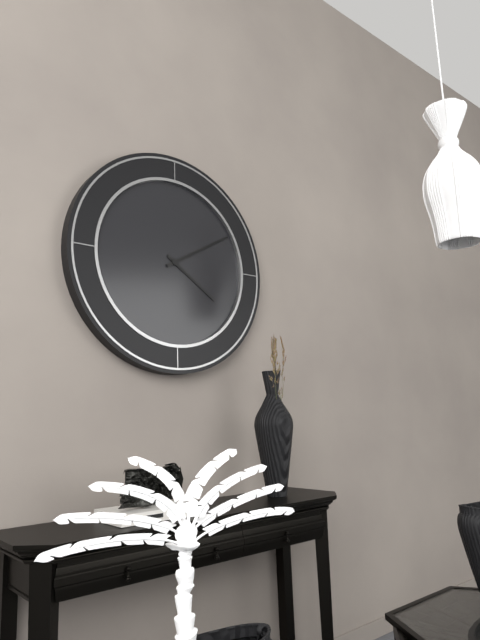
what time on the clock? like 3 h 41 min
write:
4 h 10 min
